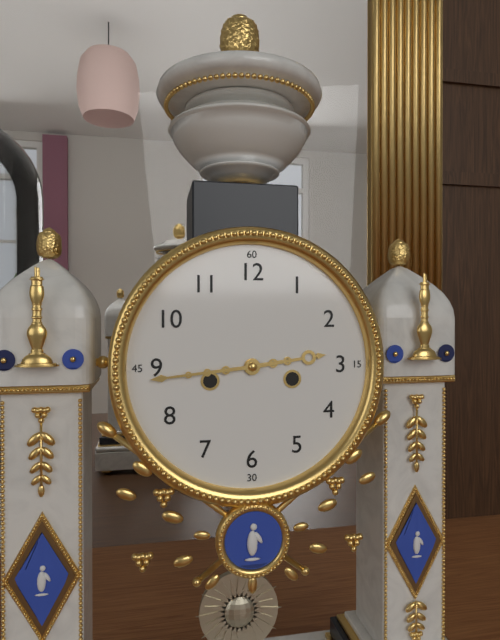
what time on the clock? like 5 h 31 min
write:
2 h 44 min
